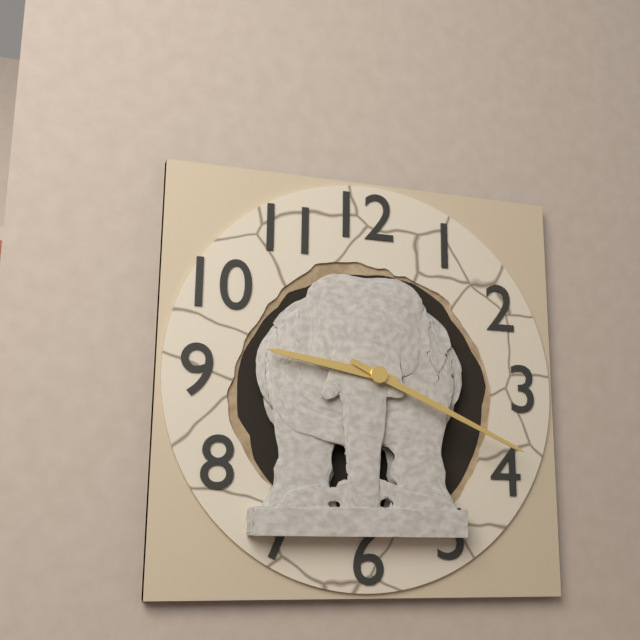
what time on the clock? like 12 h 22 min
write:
9 h 19 min
